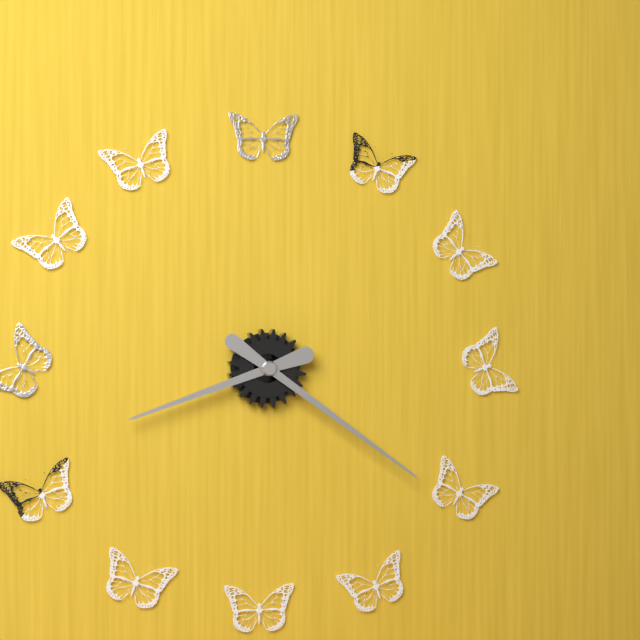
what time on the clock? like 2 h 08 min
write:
8 h 21 min
